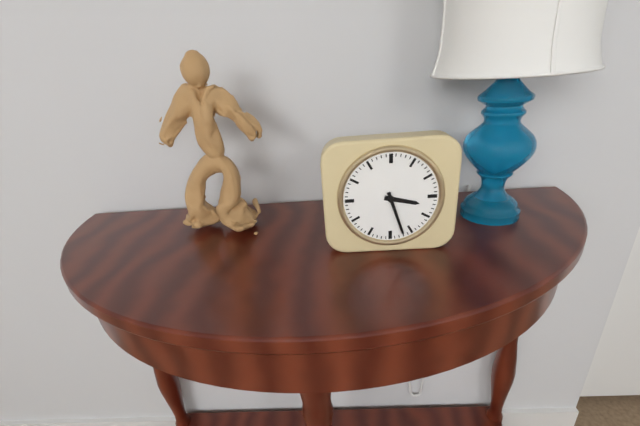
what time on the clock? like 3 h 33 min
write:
3 h 27 min
